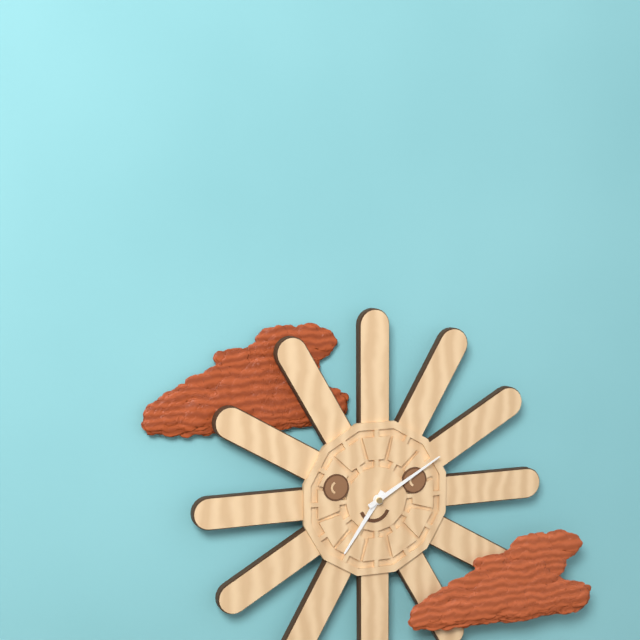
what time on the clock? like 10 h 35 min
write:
7 h 10 min
